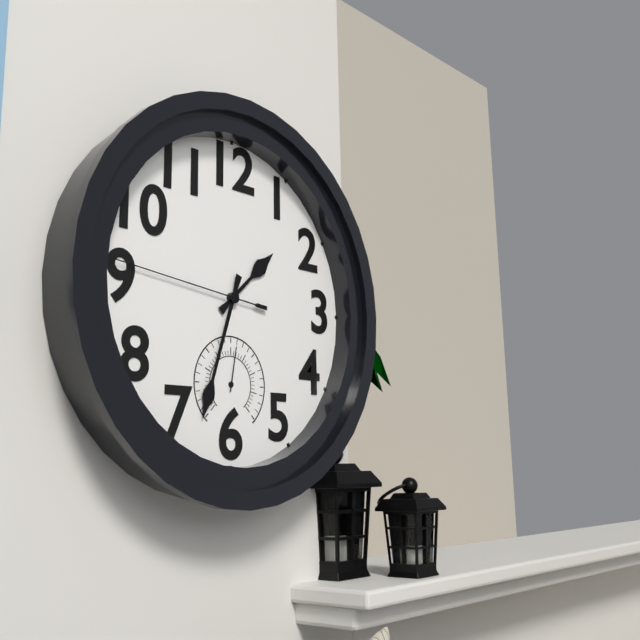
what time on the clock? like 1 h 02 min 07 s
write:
1 h 33 min 46 s
